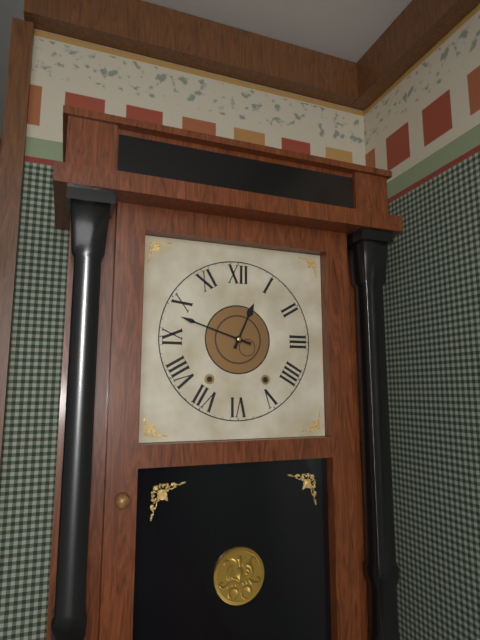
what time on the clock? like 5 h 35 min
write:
12 h 48 min
